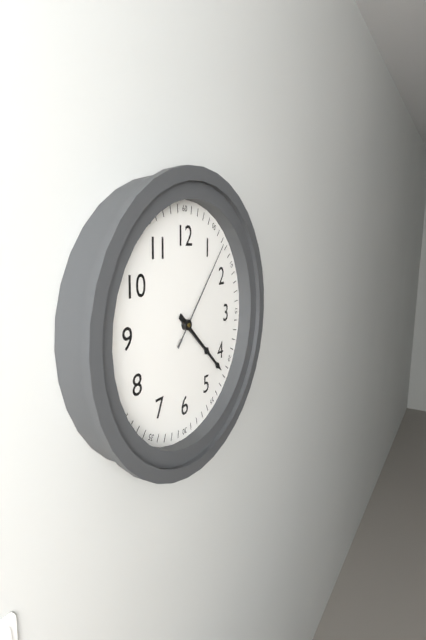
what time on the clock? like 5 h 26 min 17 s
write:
4 h 22 min 07 s
